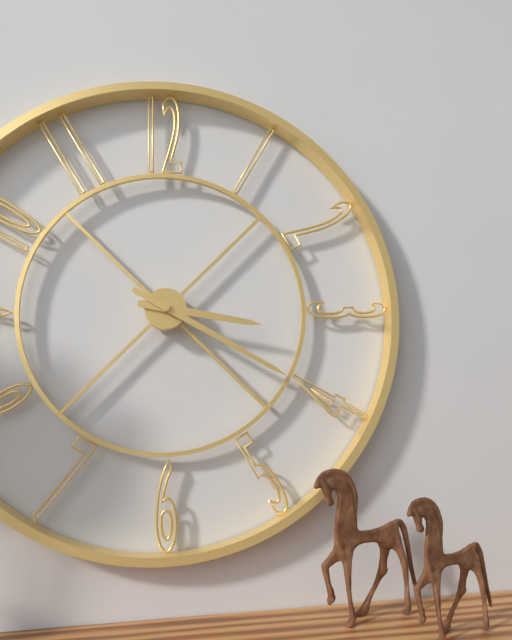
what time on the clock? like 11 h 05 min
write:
3 h 20 min
